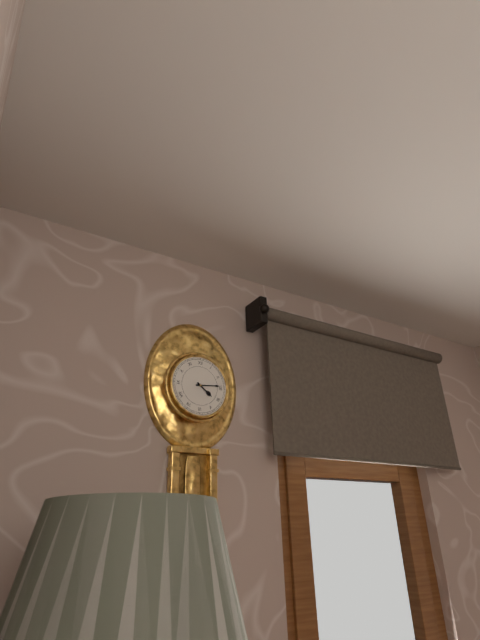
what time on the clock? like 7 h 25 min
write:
4 h 14 min
